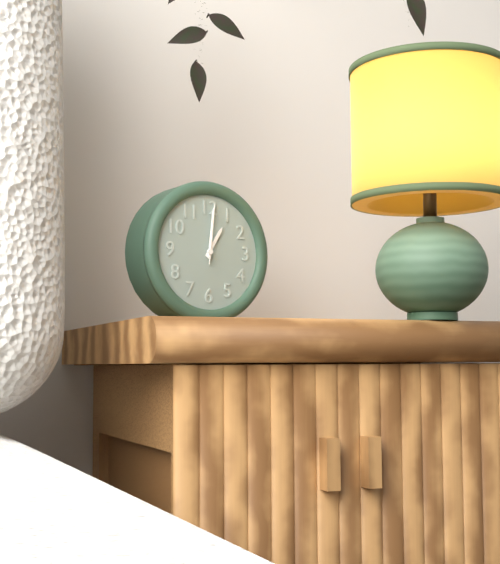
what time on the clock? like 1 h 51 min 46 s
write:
1 h 01 min 01 s
